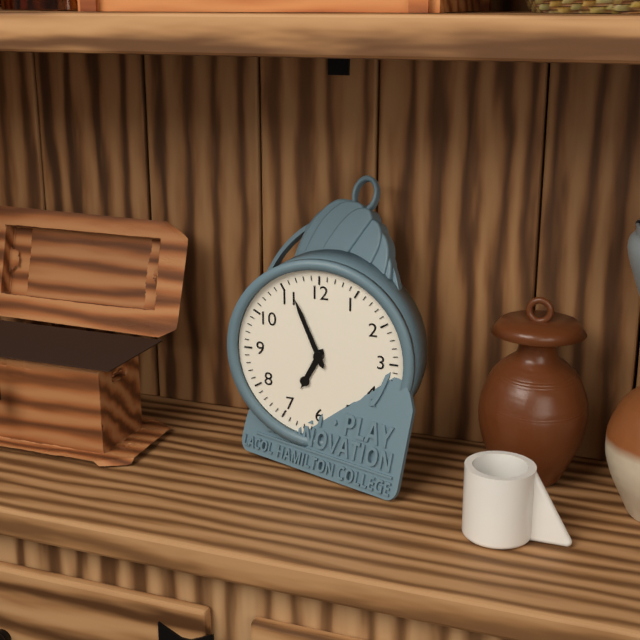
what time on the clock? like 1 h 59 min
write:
6 h 56 min
